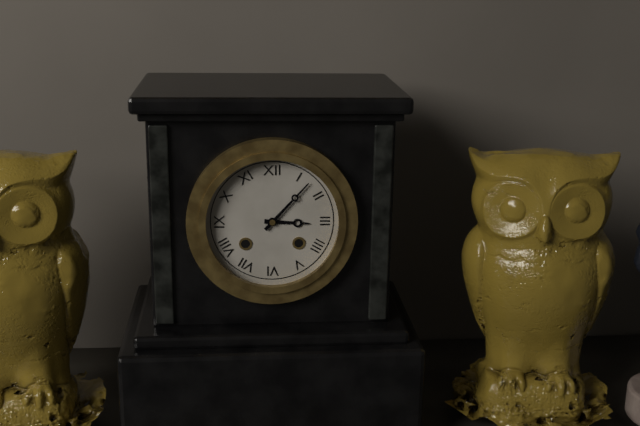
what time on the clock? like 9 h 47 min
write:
3 h 07 min
